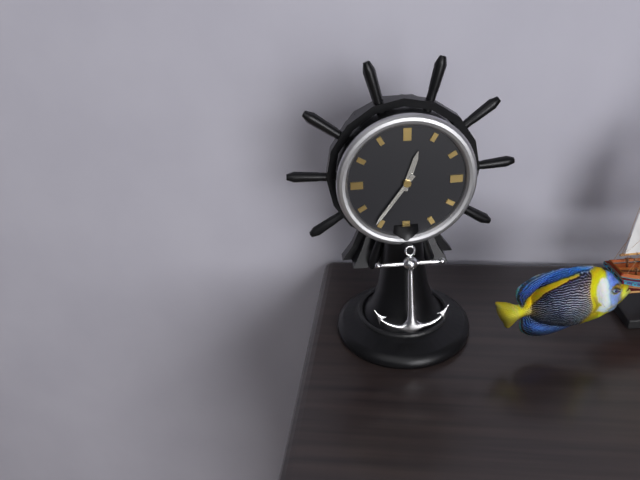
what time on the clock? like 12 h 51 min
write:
12 h 36 min
